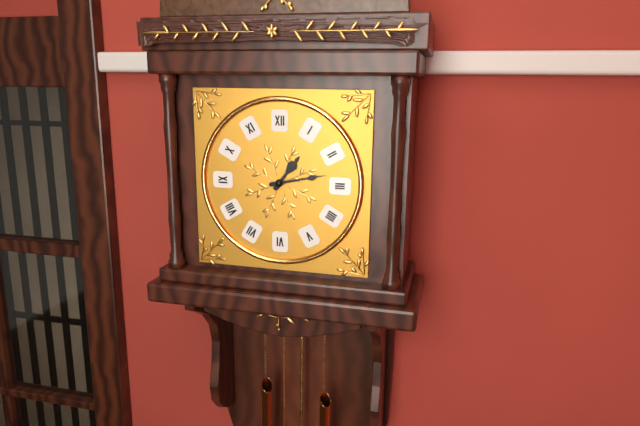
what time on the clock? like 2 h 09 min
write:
1 h 13 min
